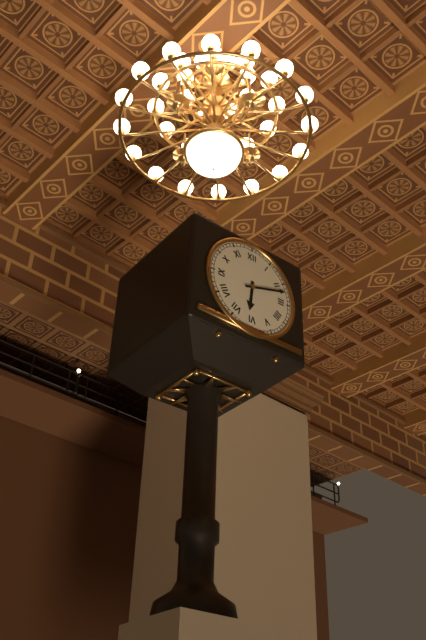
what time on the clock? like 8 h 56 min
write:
6 h 12 min
